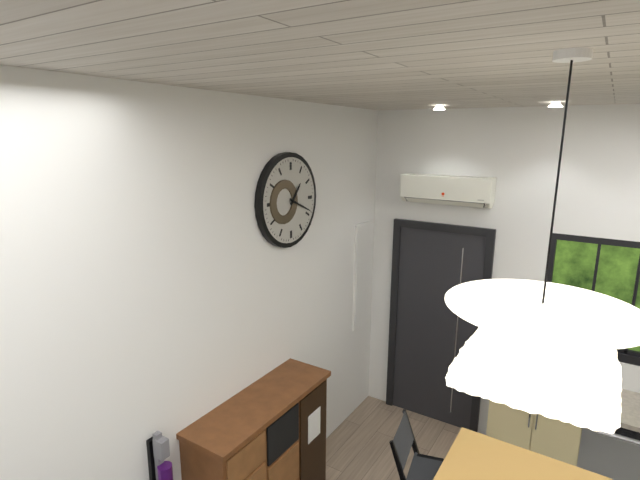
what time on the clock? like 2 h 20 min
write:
1 h 19 min
